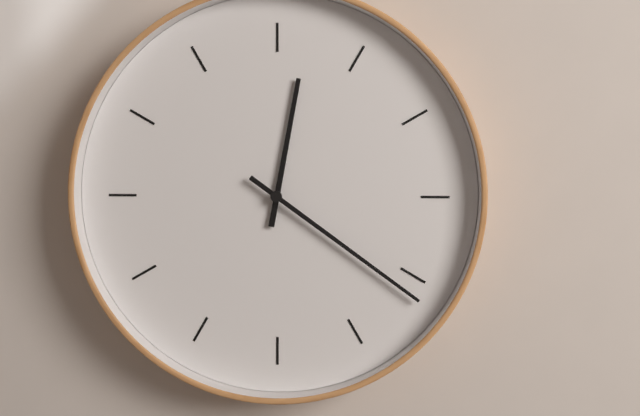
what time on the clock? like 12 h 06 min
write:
12 h 21 min
